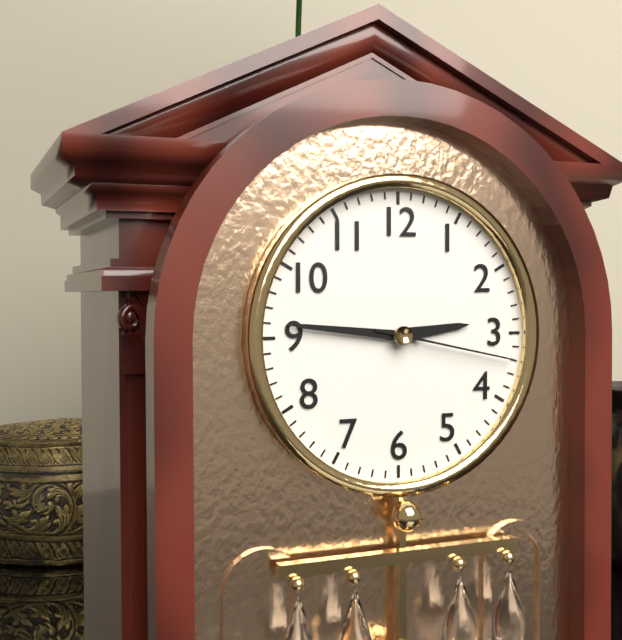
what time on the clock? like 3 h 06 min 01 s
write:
2 h 46 min 17 s
